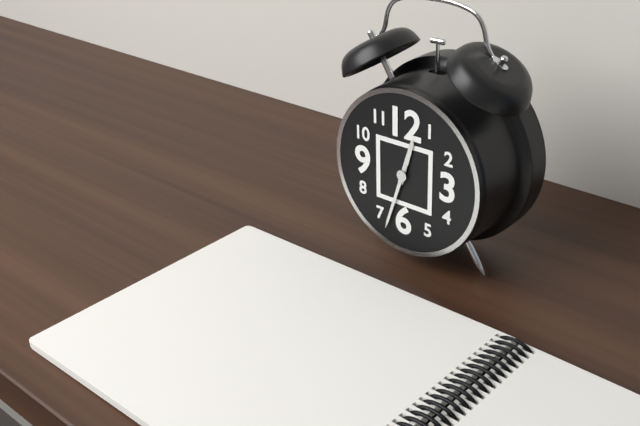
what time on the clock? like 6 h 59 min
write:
12 h 33 min
